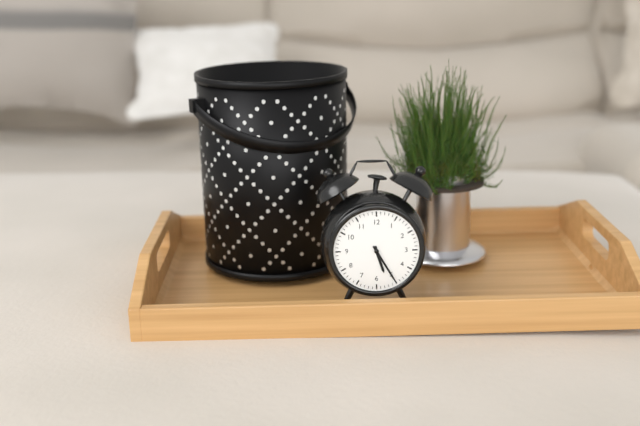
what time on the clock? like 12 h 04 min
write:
5 h 25 min
